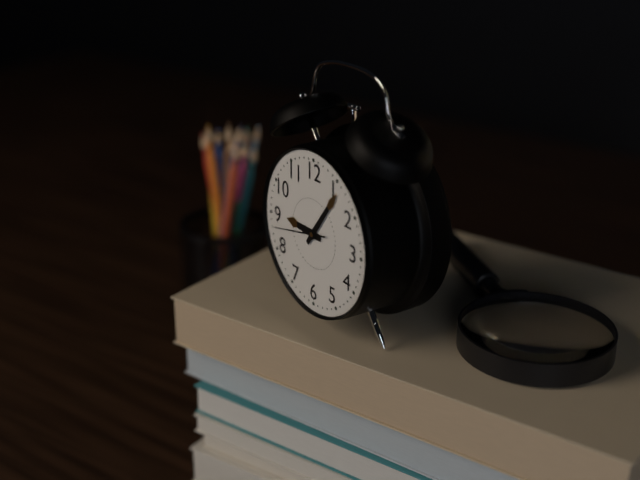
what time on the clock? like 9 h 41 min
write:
9 h 06 min
